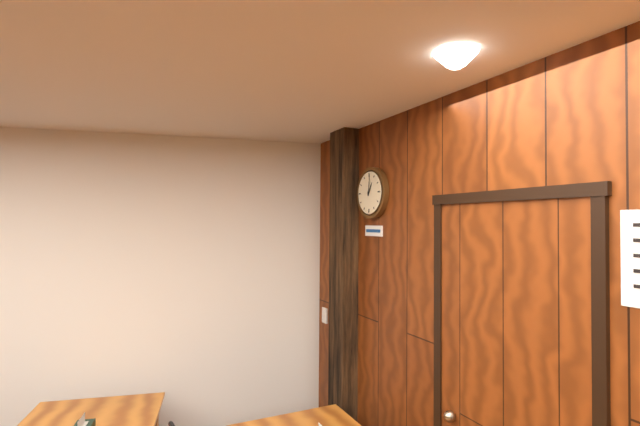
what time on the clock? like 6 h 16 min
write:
1 h 01 min
